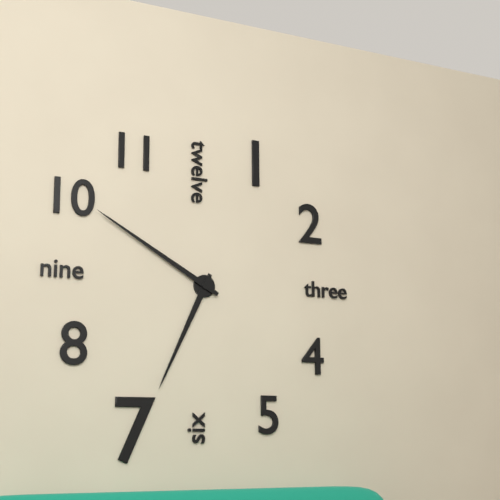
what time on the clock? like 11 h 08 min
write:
6 h 50 min
